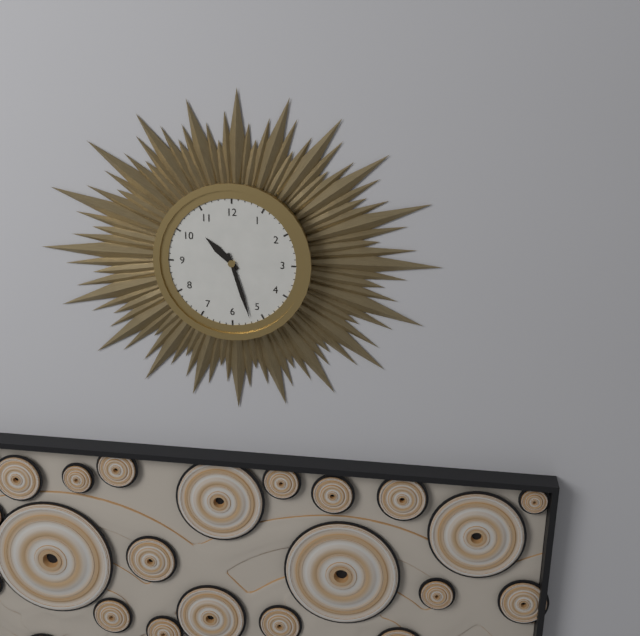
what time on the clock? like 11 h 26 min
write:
10 h 27 min
